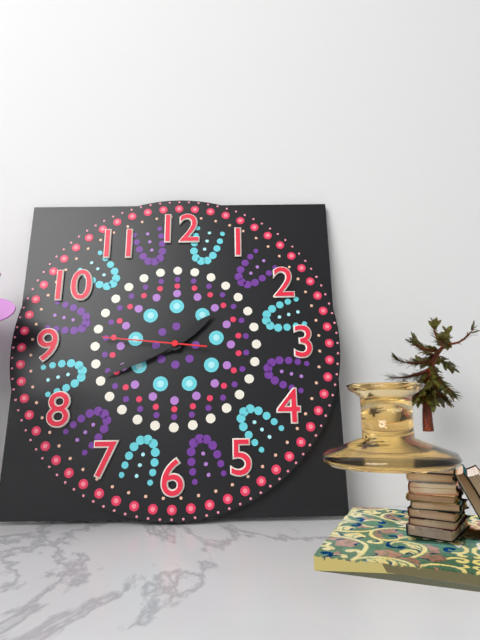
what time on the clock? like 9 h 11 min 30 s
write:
1 h 41 min 46 s
